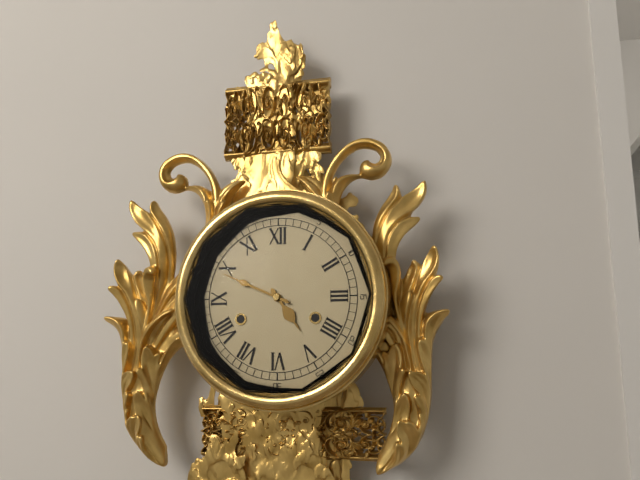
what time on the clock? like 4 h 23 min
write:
4 h 49 min
